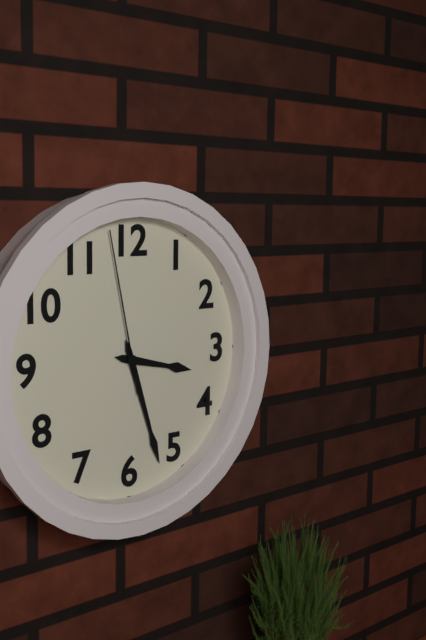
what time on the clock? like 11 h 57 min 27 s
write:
3 h 27 min 58 s
